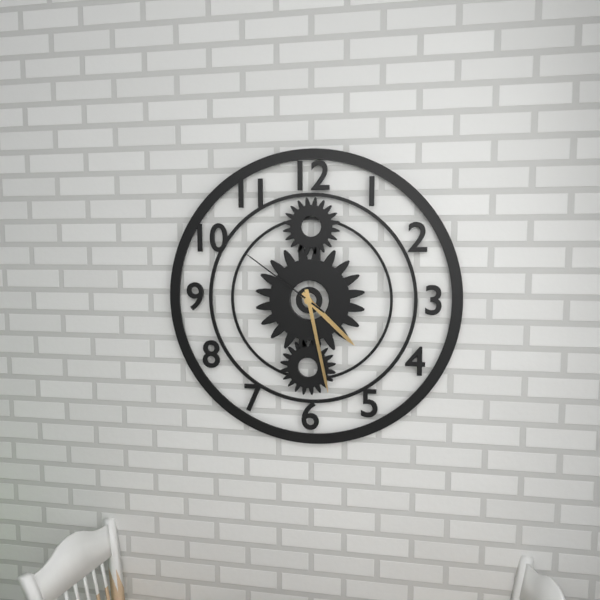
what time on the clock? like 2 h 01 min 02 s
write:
4 h 28 min 51 s
